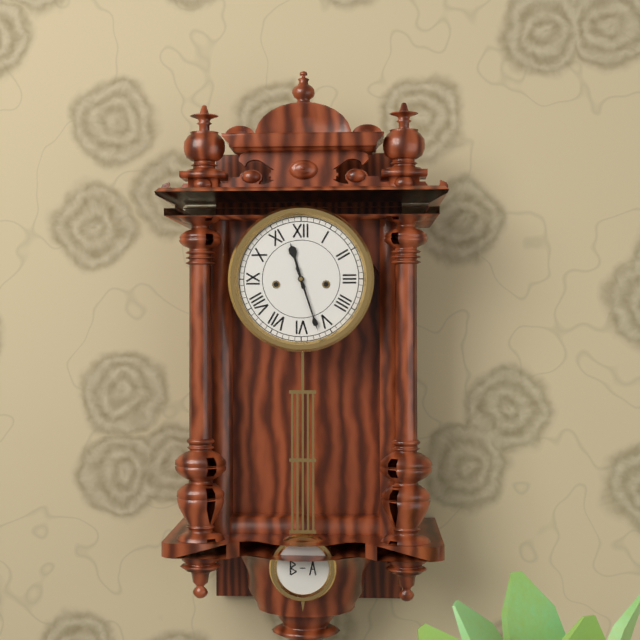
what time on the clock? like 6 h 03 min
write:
11 h 27 min
